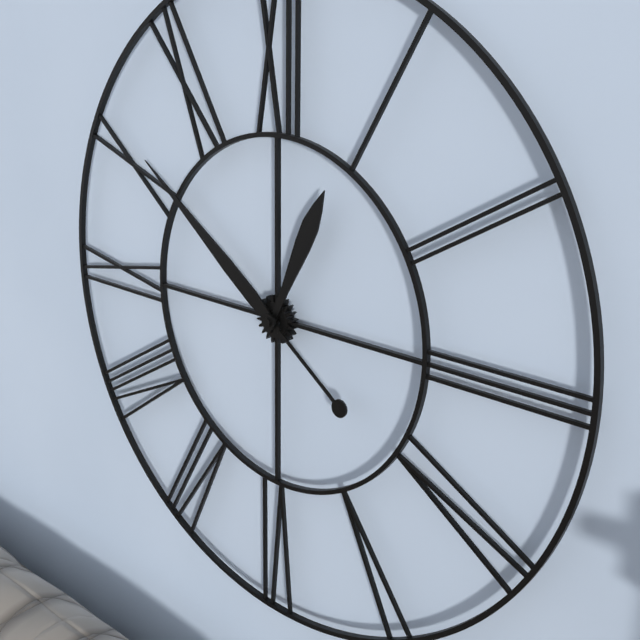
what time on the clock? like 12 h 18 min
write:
12 h 51 min
